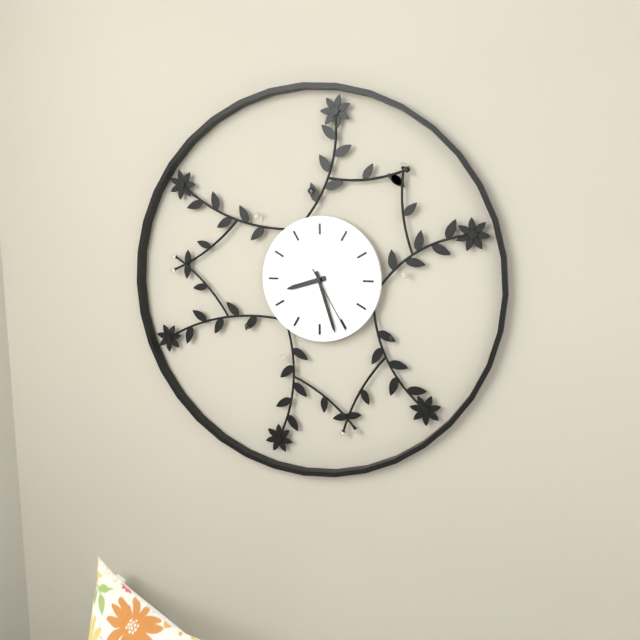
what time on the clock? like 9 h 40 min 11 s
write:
8 h 27 min 25 s
